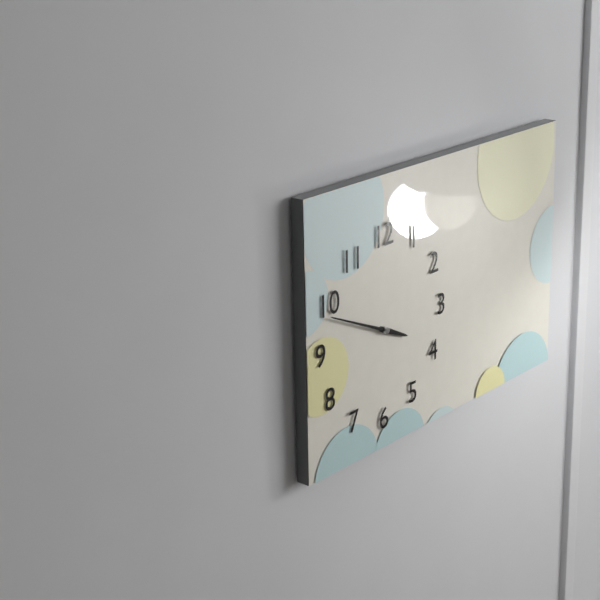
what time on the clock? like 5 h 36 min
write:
3 h 49 min
